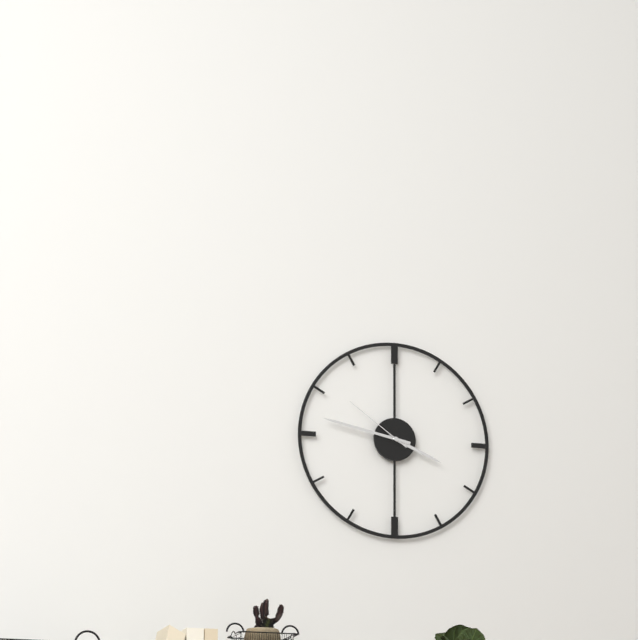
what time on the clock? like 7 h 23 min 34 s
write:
3 h 47 min 51 s
